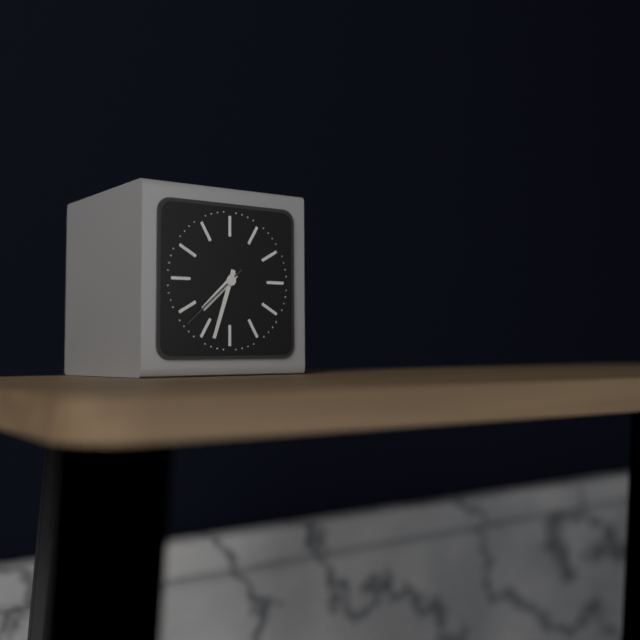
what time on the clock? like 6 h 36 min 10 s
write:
7 h 33 min 38 s
